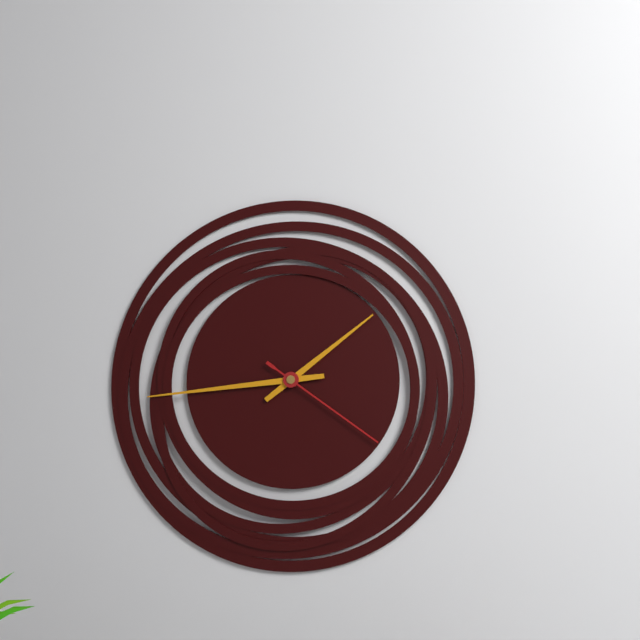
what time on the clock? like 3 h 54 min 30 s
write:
1 h 44 min 21 s
